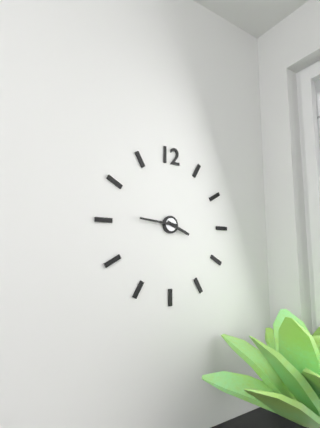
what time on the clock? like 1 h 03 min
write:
3 h 46 min
